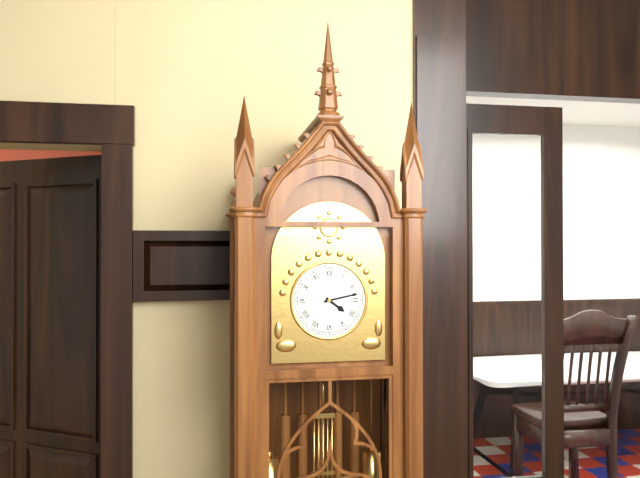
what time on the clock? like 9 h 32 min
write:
4 h 13 min
